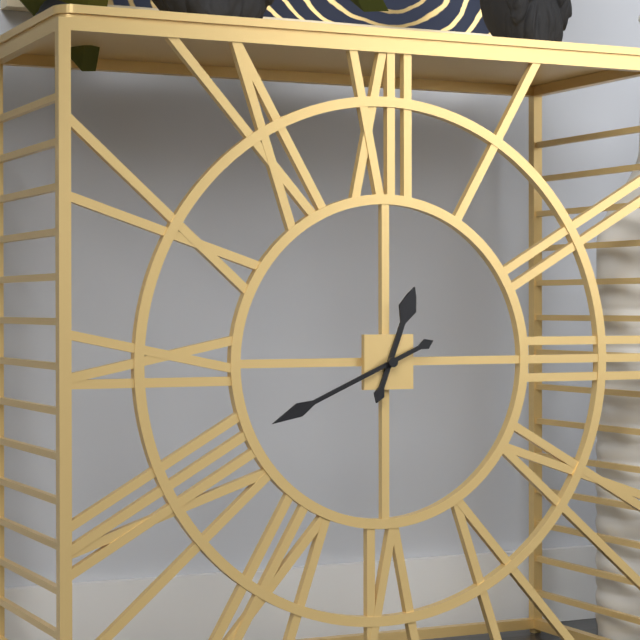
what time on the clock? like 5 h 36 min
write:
12 h 41 min
